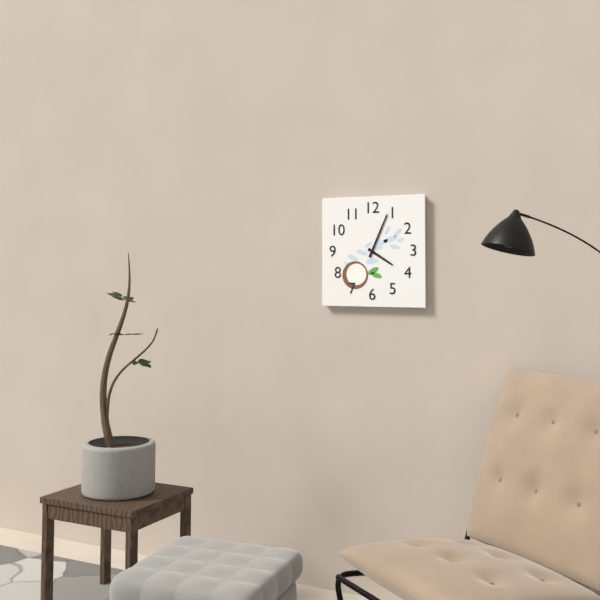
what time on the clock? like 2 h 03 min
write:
4 h 04 min
